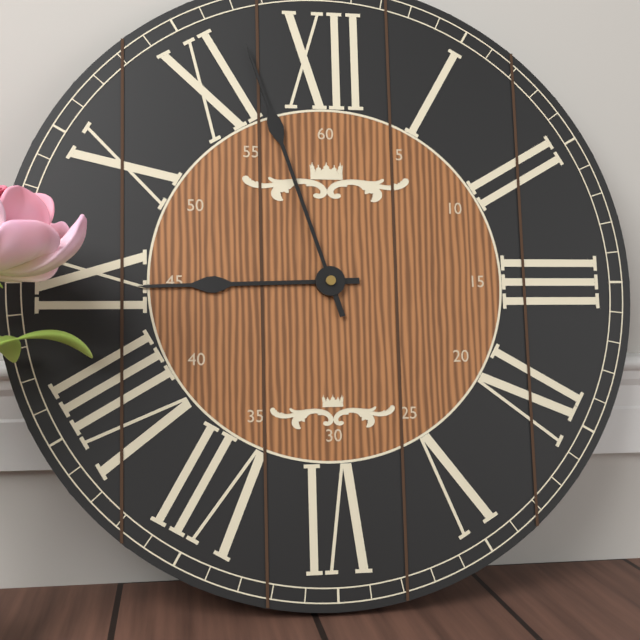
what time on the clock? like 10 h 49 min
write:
8 h 57 min
